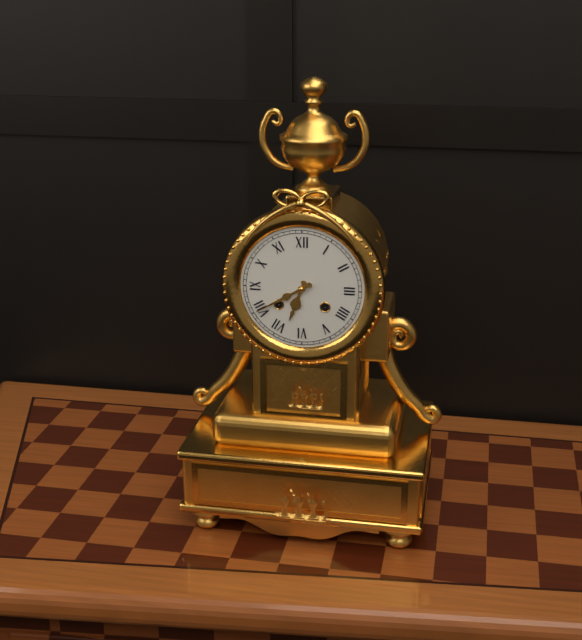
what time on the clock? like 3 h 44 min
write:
6 h 40 min
